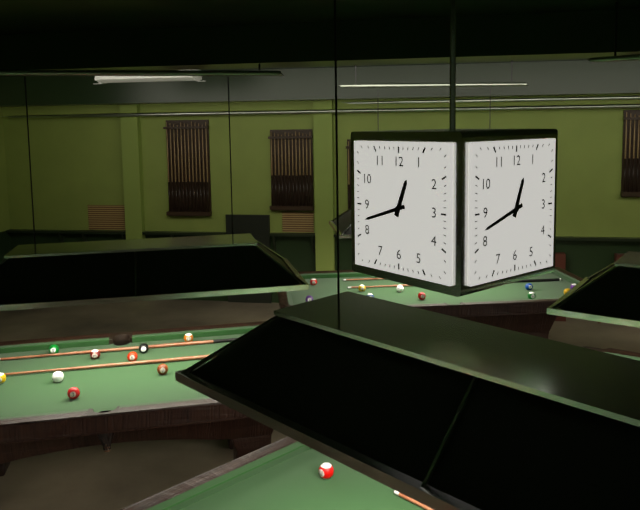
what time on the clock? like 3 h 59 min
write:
12 h 42 min
